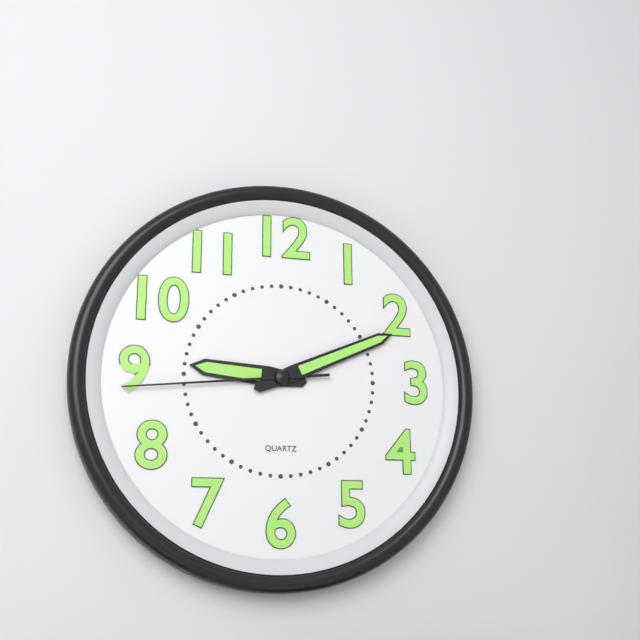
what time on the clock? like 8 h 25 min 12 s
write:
9 h 11 min 44 s
